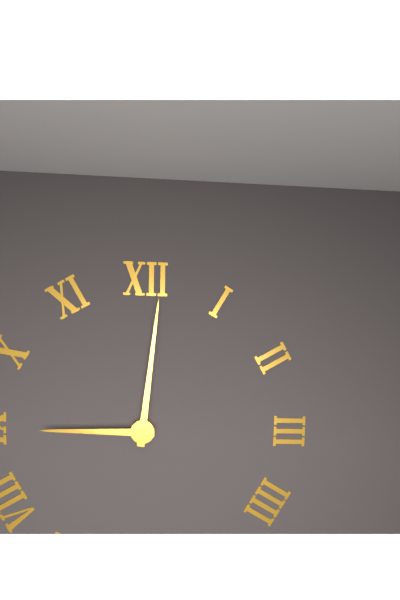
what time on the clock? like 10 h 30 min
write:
9 h 01 min
